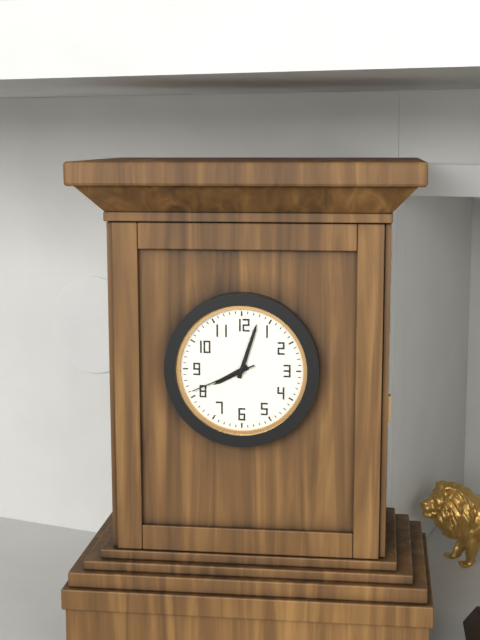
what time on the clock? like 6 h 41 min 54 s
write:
8 h 03 min 41 s
